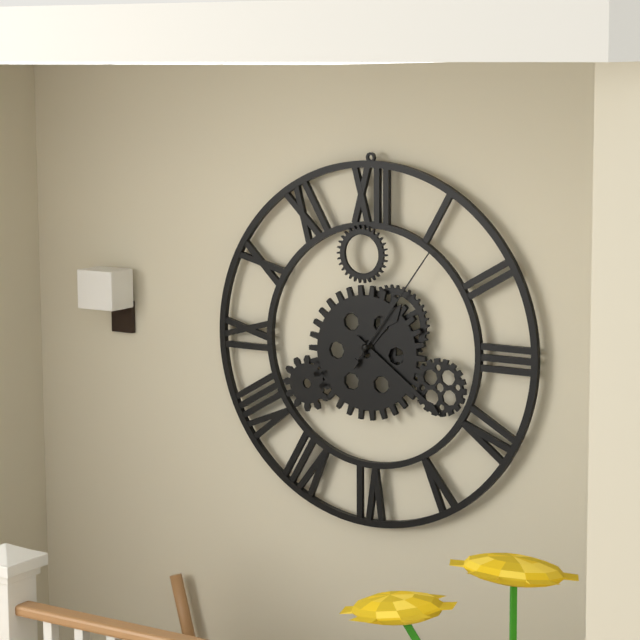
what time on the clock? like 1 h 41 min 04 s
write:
1 h 21 min 06 s
